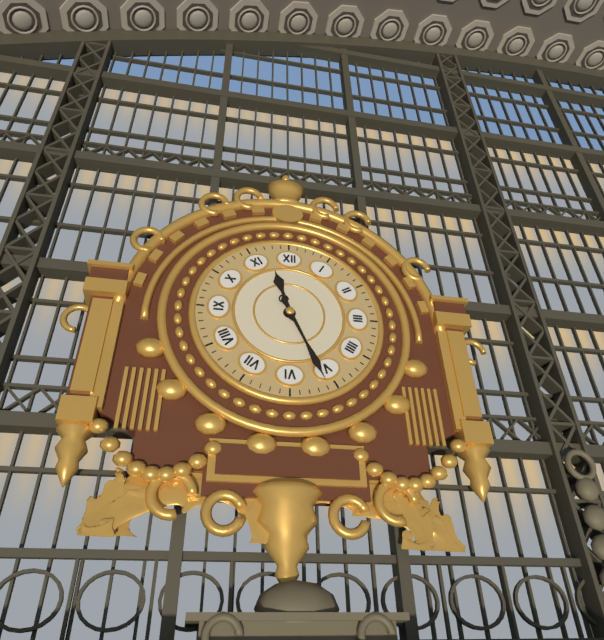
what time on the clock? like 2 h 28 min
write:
11 h 26 min
